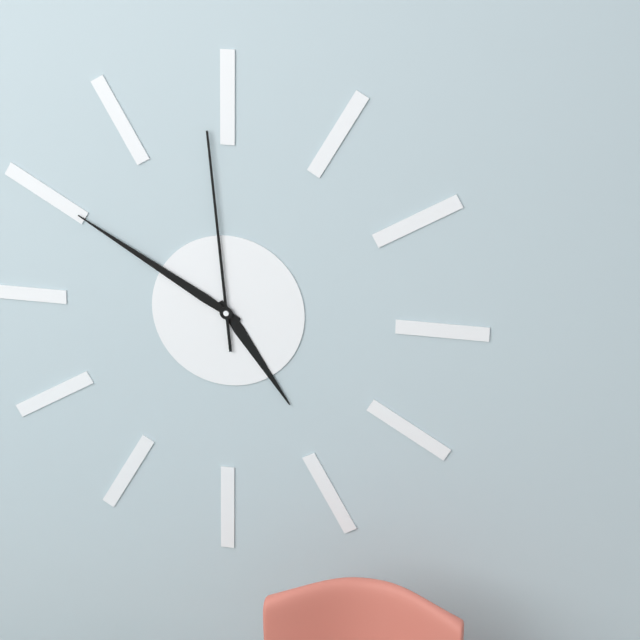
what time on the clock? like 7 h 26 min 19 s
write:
4 h 50 min 59 s
